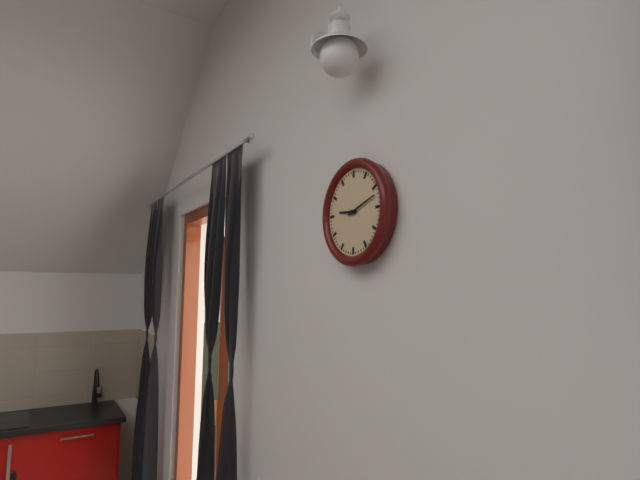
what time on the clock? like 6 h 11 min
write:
9 h 12 min
